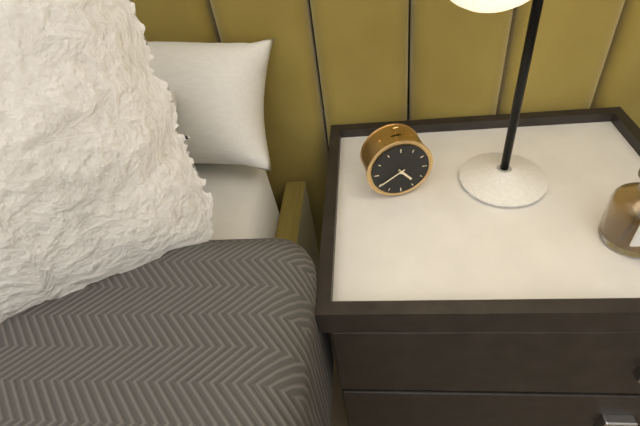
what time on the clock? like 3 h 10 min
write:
4 h 40 min
